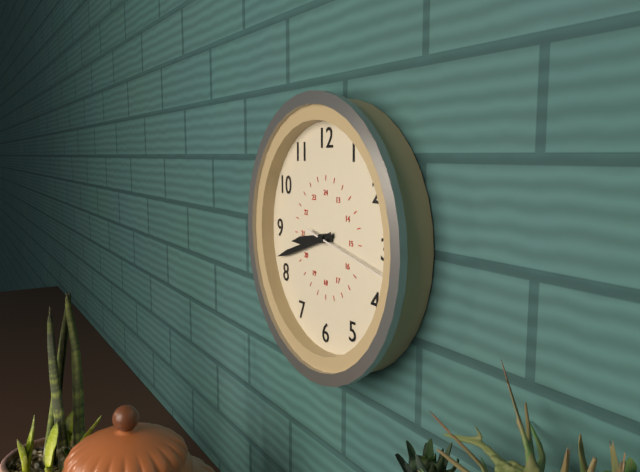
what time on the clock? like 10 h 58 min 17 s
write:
8 h 42 min 17 s
